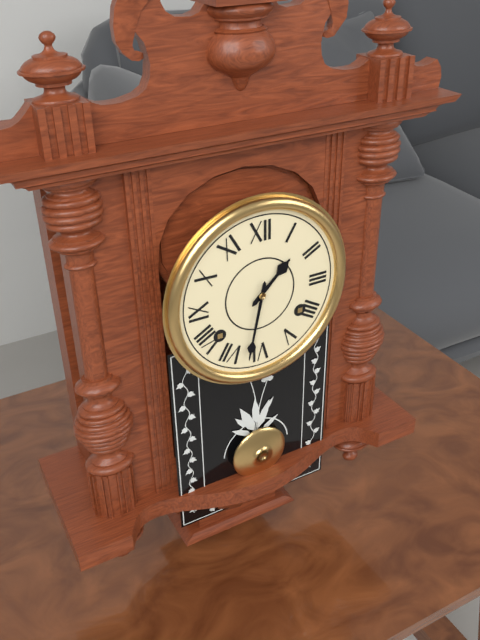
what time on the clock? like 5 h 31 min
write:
1 h 32 min
